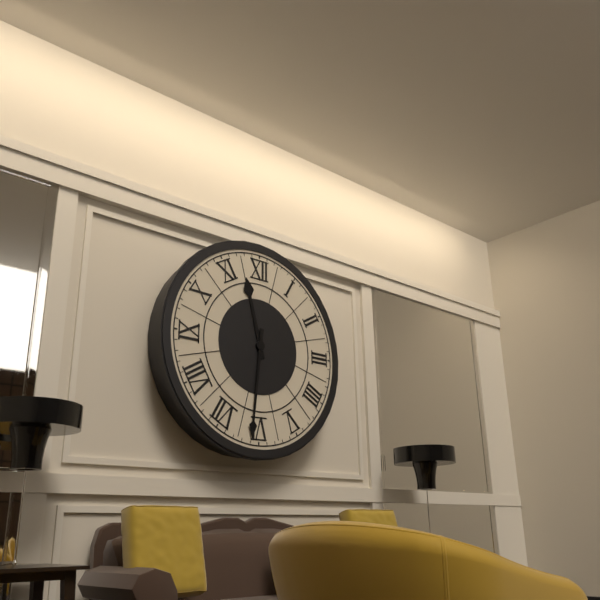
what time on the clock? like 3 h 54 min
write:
11 h 31 min
